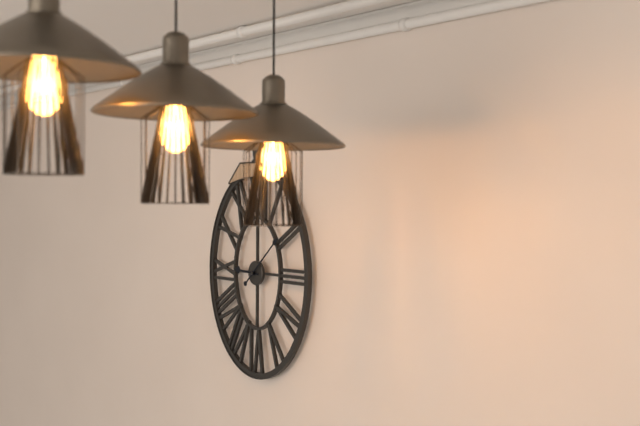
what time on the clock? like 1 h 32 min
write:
9 h 08 min
